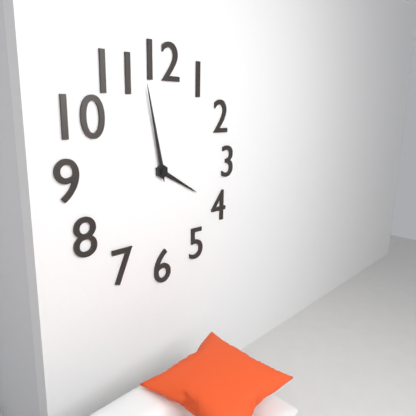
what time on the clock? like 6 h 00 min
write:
3 h 58 min
